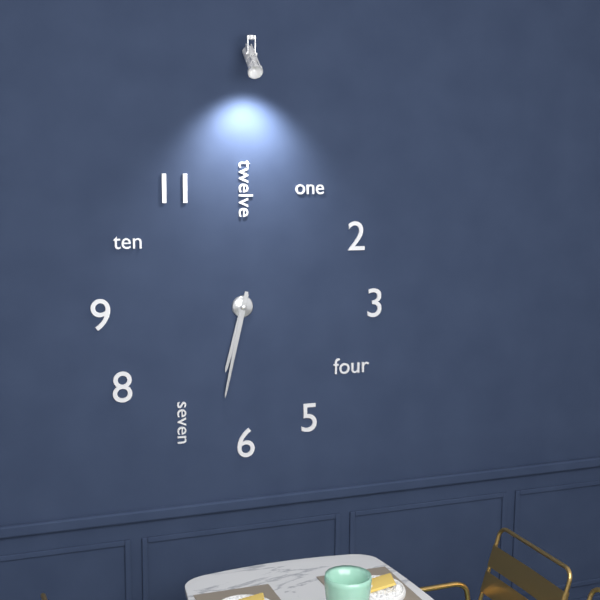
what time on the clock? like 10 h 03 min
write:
6 h 32 min
